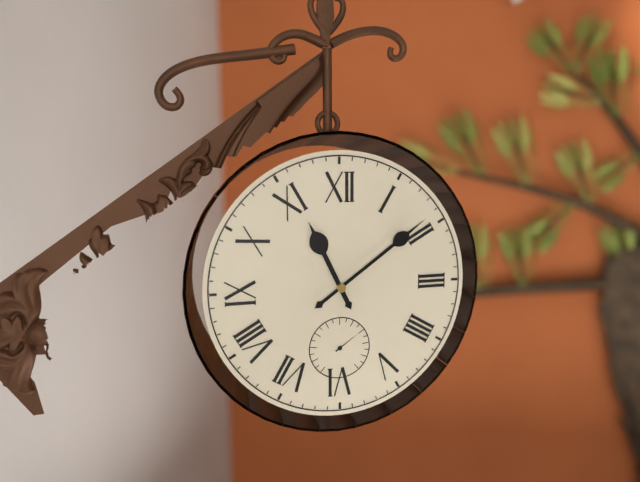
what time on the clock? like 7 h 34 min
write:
11 h 09 min
